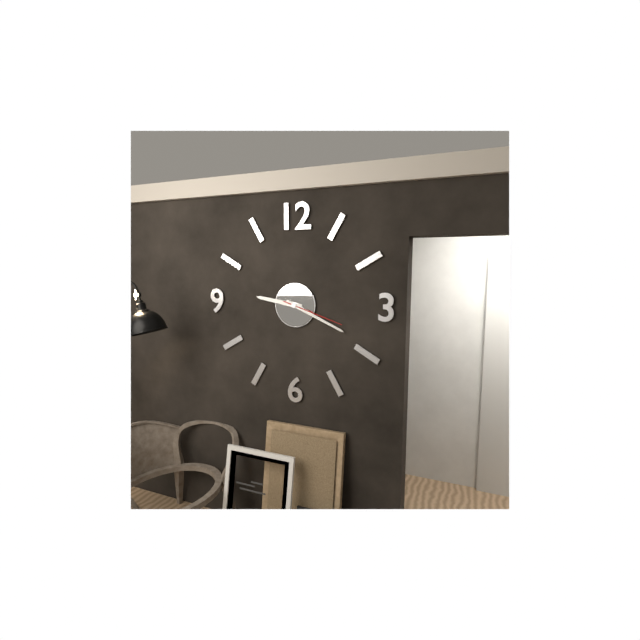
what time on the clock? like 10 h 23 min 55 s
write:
9 h 19 min 18 s
